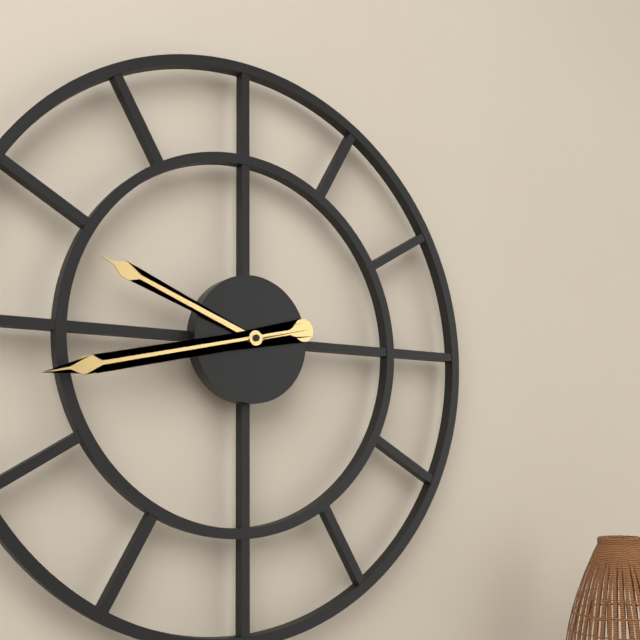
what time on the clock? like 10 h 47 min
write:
9 h 43 min
